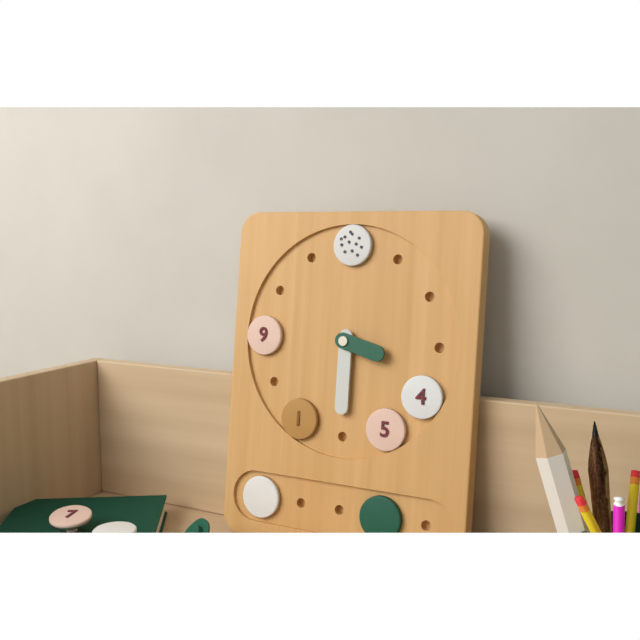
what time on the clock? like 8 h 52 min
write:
3 h 30 min
